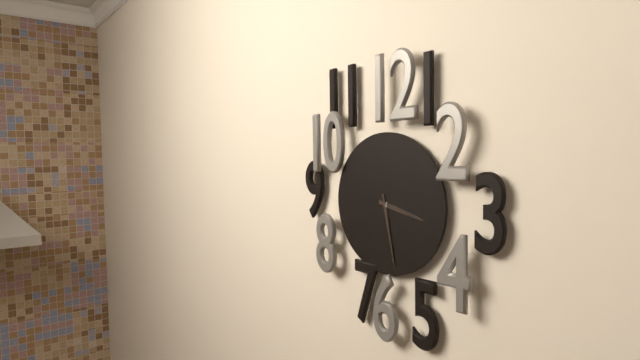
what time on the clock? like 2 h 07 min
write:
3 h 28 min
